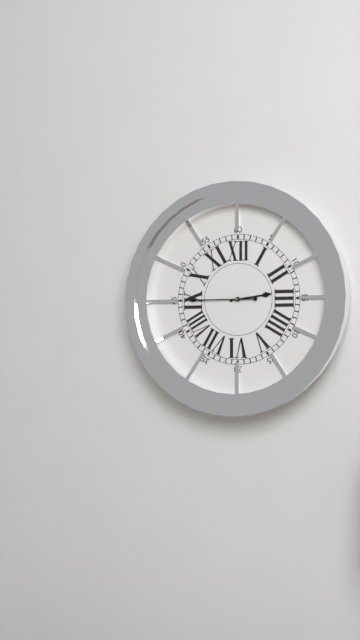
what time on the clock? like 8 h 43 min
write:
2 h 45 min
